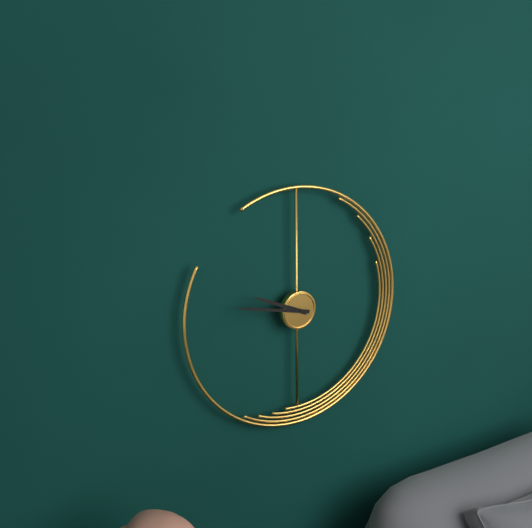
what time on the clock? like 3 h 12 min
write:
9 h 47 min
